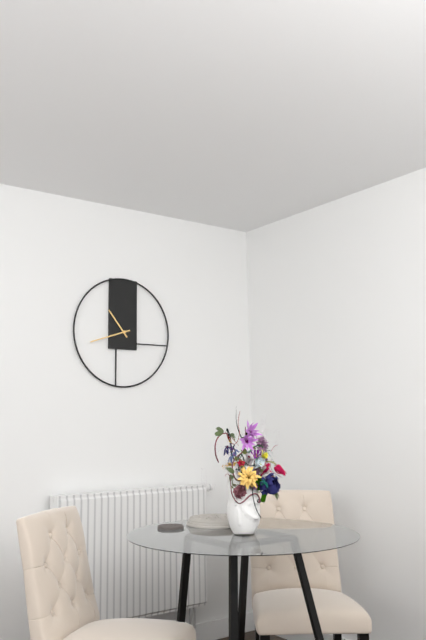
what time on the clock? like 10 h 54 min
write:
10 h 42 min
